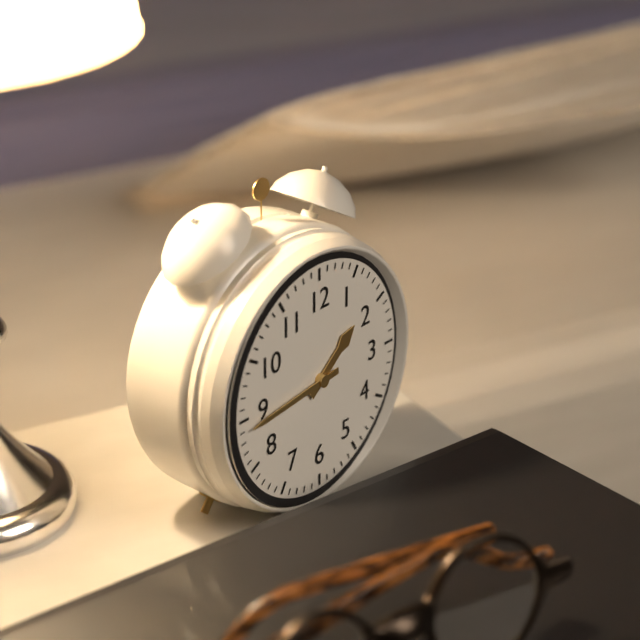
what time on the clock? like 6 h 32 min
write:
1 h 44 min
